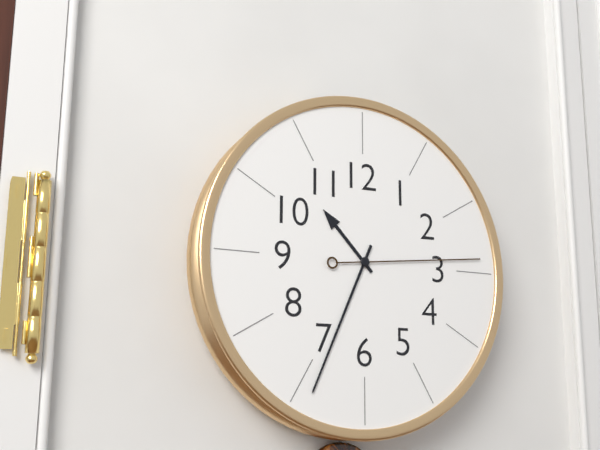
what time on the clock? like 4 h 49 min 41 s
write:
10 h 34 min 14 s
